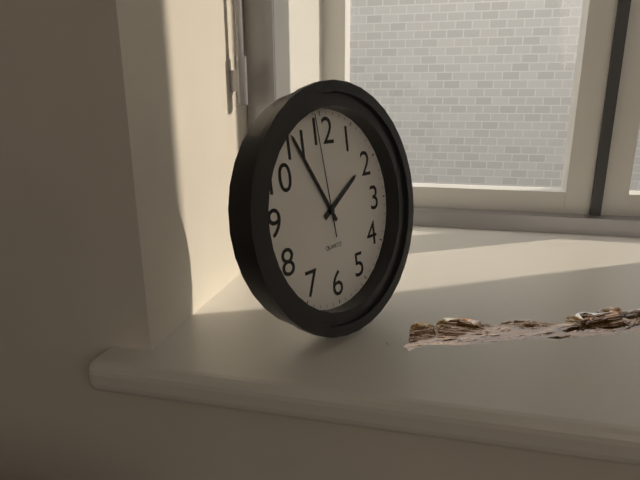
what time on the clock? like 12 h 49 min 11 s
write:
1 h 55 min 59 s
